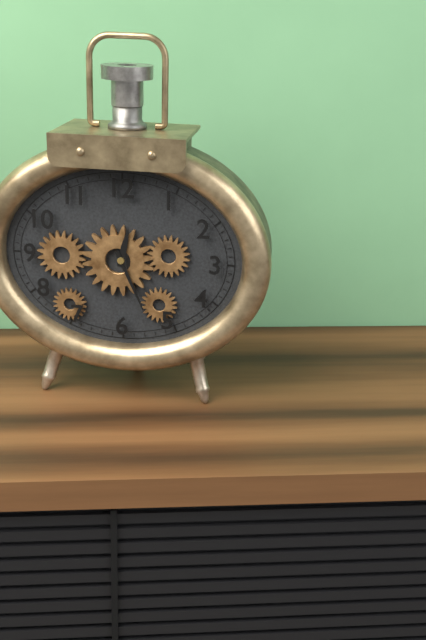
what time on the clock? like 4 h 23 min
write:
12 h 26 min
